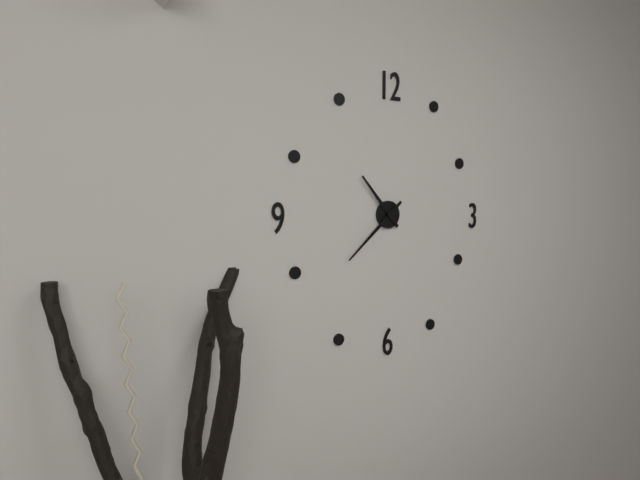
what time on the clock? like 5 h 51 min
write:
10 h 38 min
